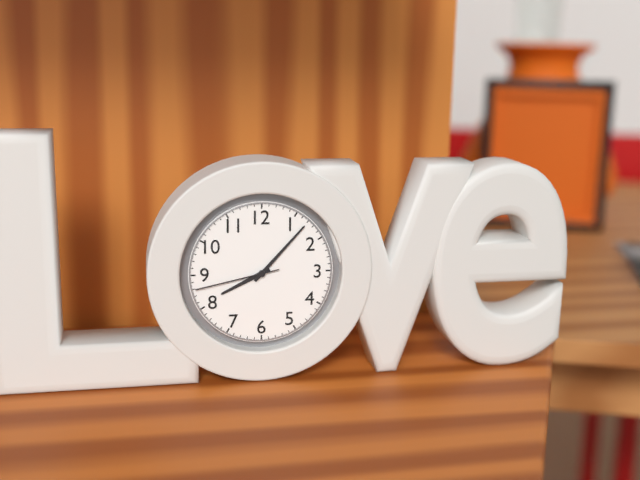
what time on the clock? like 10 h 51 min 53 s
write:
8 h 07 min 43 s
